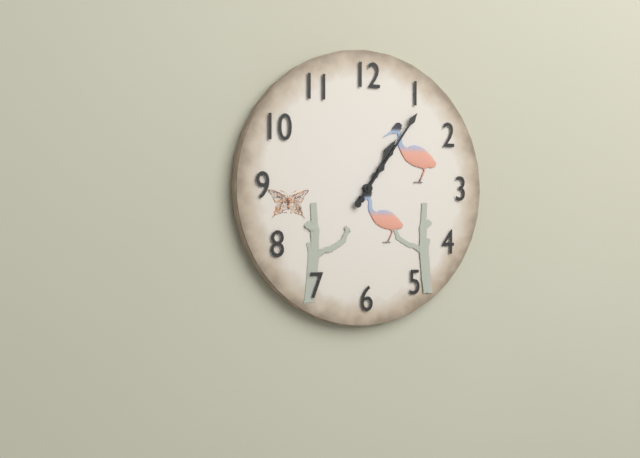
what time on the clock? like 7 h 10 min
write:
1 h 06 min
